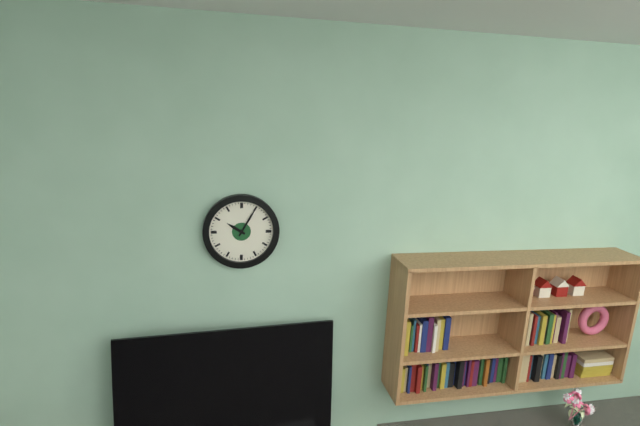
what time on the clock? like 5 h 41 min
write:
10 h 05 min
